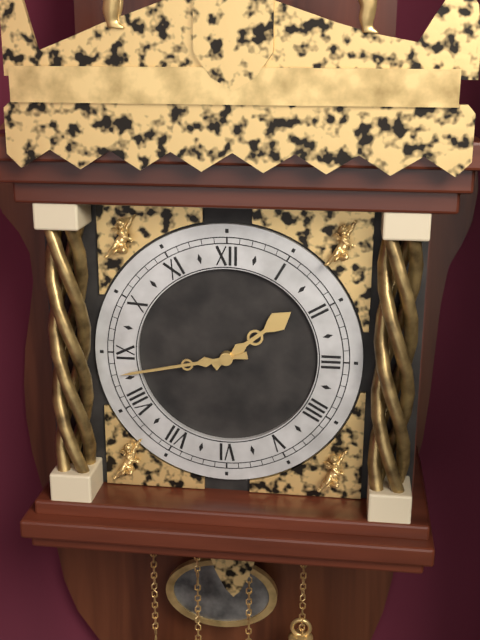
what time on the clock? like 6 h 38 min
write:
1 h 43 min
